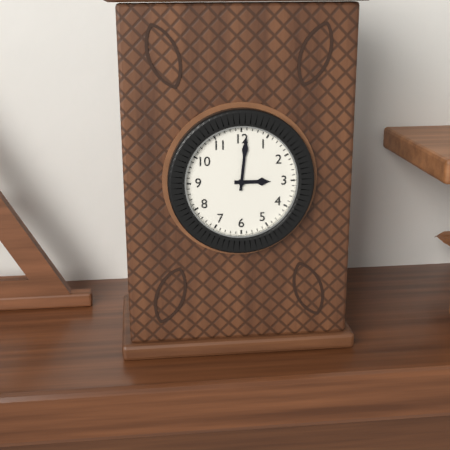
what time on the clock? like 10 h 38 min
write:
3 h 01 min
